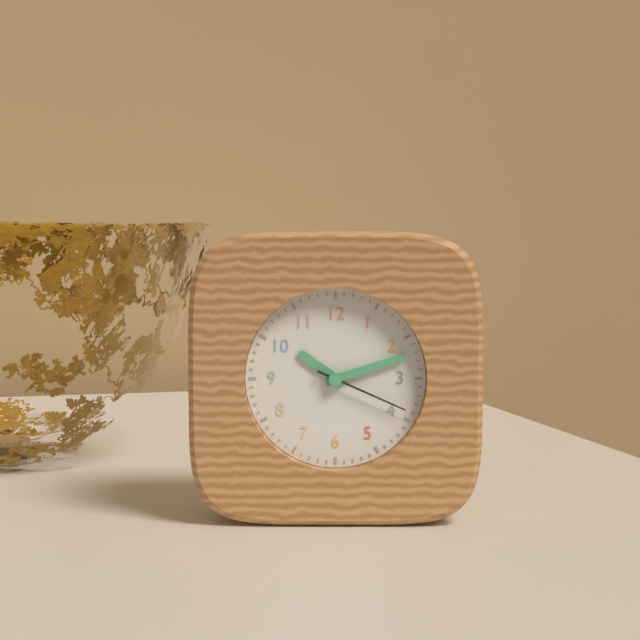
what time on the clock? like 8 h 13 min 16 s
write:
10 h 12 min 19 s
